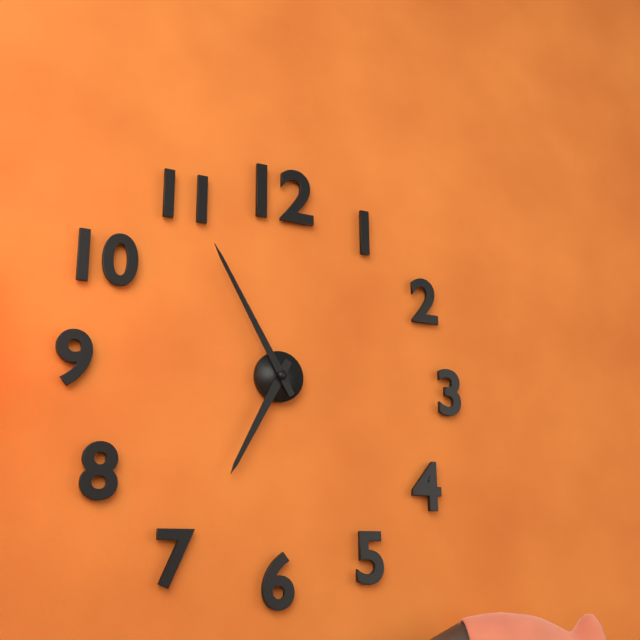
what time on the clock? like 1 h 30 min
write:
6 h 55 min
